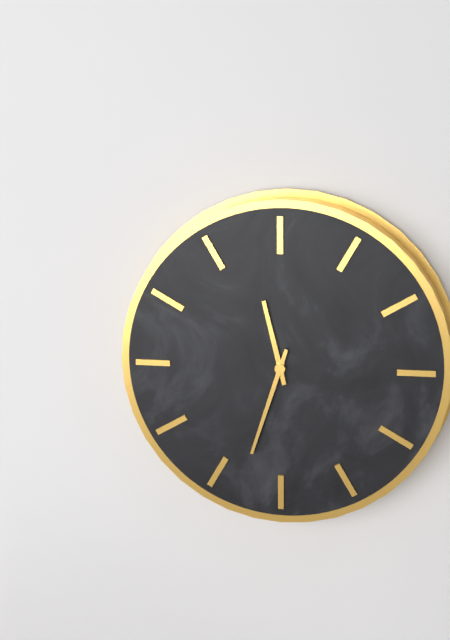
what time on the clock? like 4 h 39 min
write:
11 h 33 min
